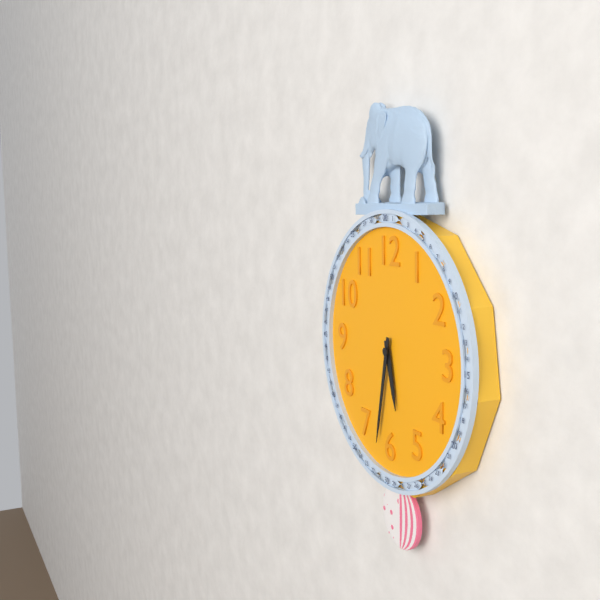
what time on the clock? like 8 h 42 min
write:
5 h 32 min
